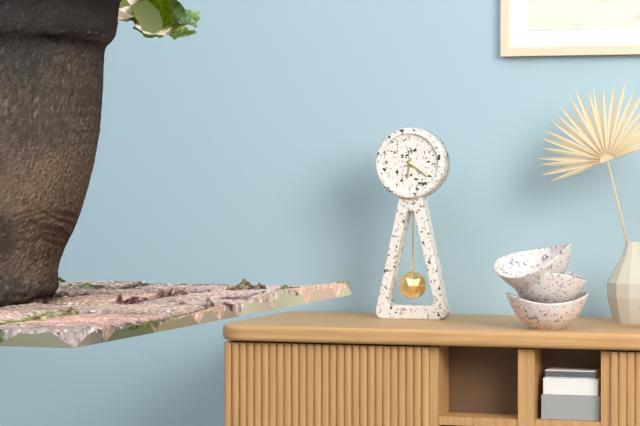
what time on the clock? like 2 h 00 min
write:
6 h 21 min
